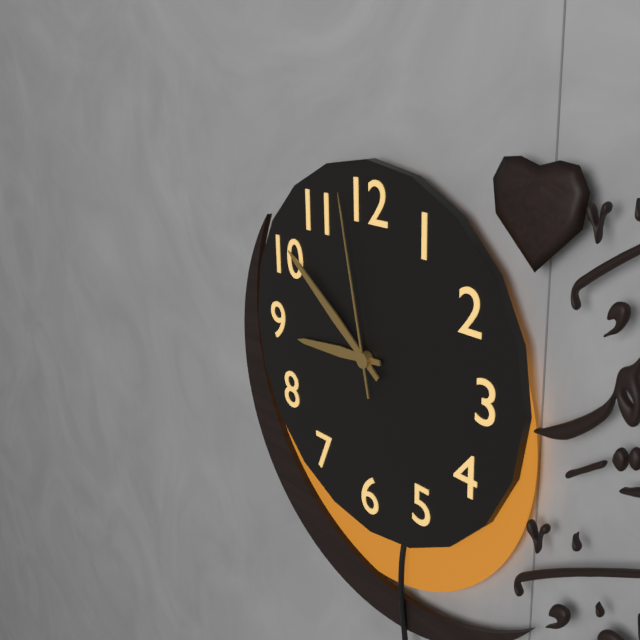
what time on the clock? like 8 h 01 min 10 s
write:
8 h 51 min 58 s
